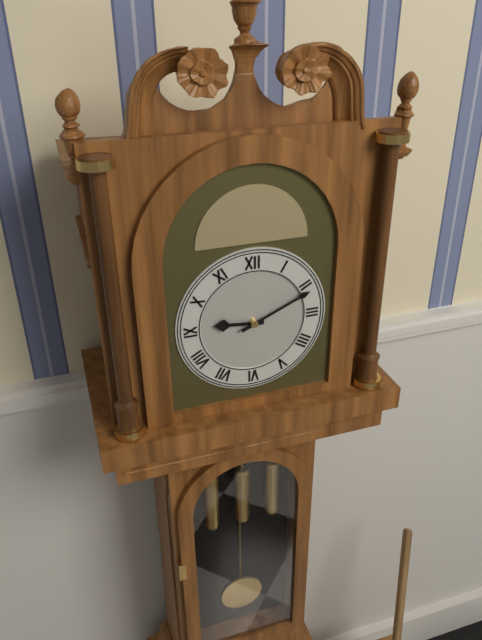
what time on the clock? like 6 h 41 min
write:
9 h 11 min
